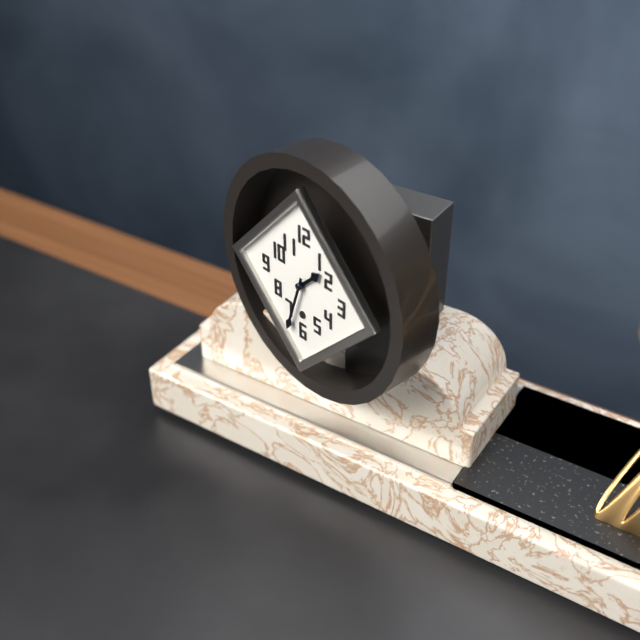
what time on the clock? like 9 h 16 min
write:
1 h 33 min
